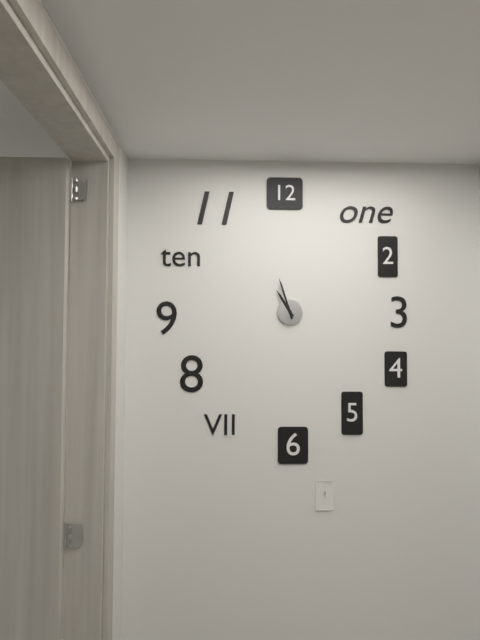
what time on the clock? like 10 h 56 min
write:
10 h 57 min
